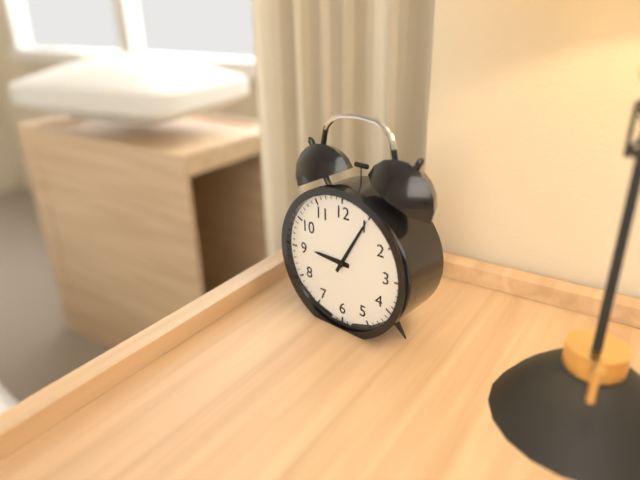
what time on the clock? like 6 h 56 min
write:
9 h 05 min
